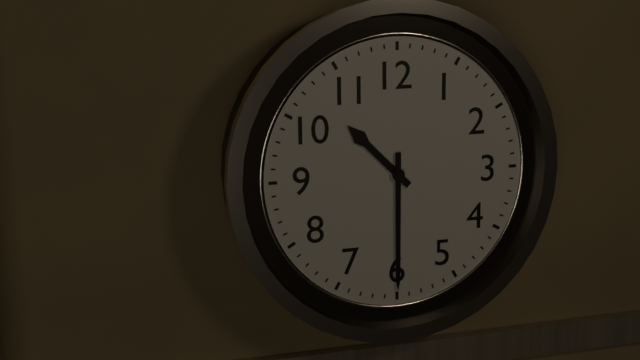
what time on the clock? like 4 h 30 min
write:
10 h 30 min
